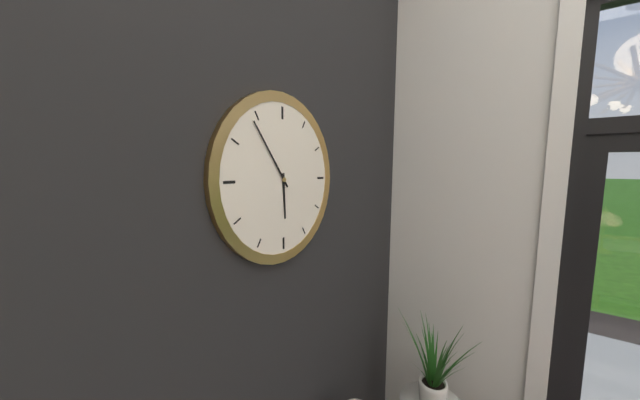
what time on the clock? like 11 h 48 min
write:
5 h 54 min
